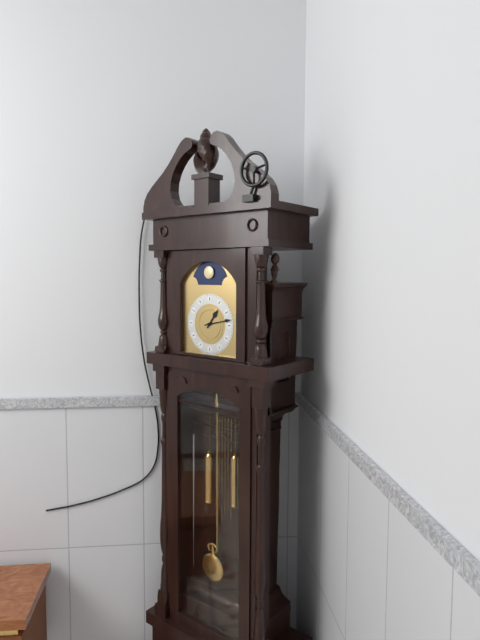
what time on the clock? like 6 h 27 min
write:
1 h 13 min
